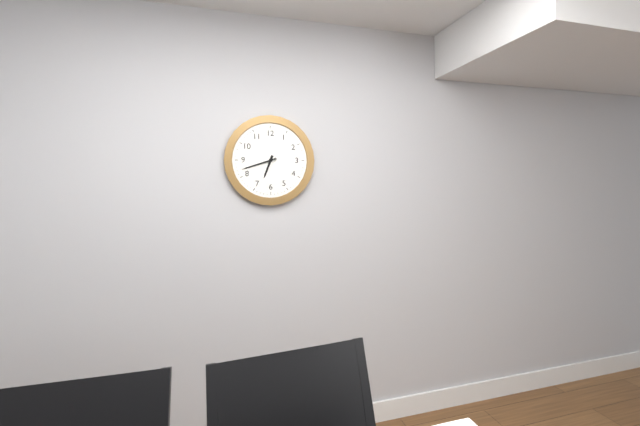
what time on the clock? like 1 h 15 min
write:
6 h 42 min
